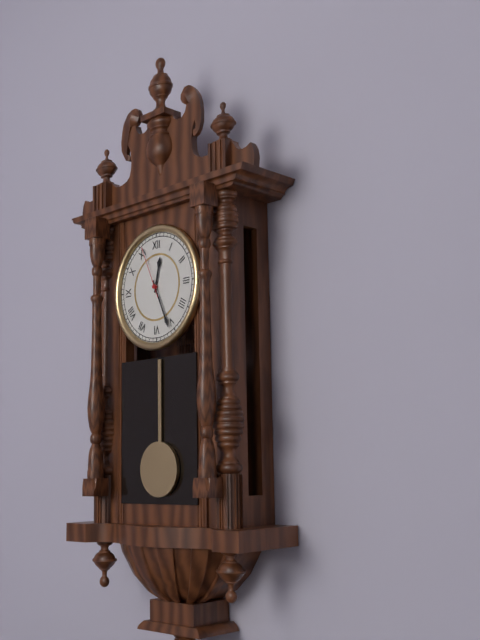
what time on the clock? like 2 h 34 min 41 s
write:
12 h 26 min 56 s
